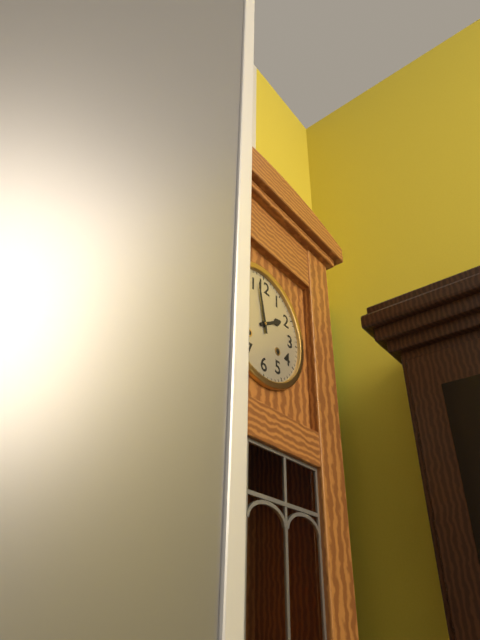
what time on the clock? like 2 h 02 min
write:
1 h 58 min
